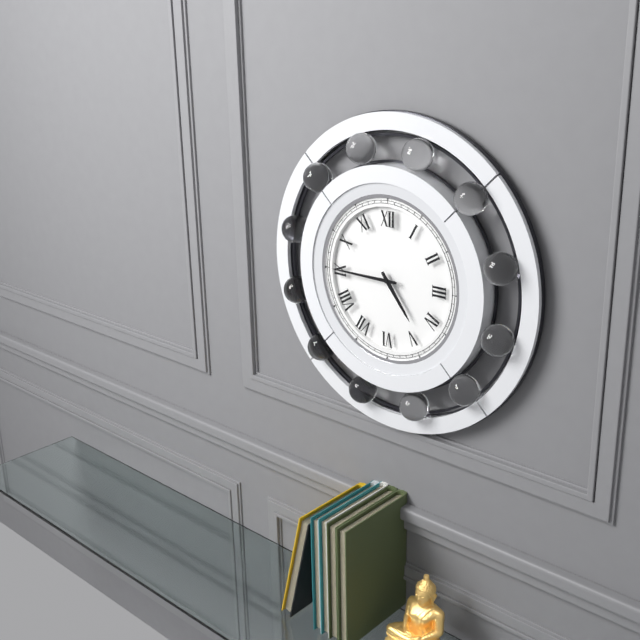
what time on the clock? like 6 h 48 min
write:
4 h 45 min
